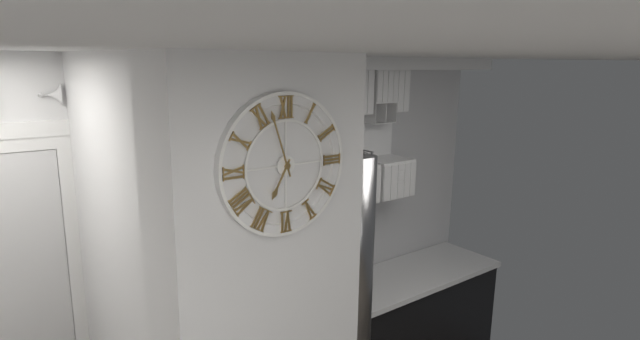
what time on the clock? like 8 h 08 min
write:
6 h 57 min
